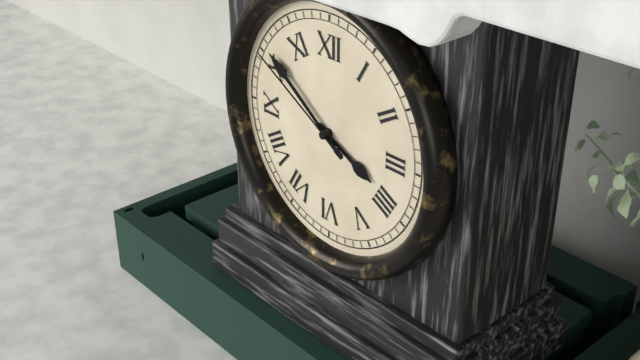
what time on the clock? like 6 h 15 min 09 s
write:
3 h 51 min 50 s
